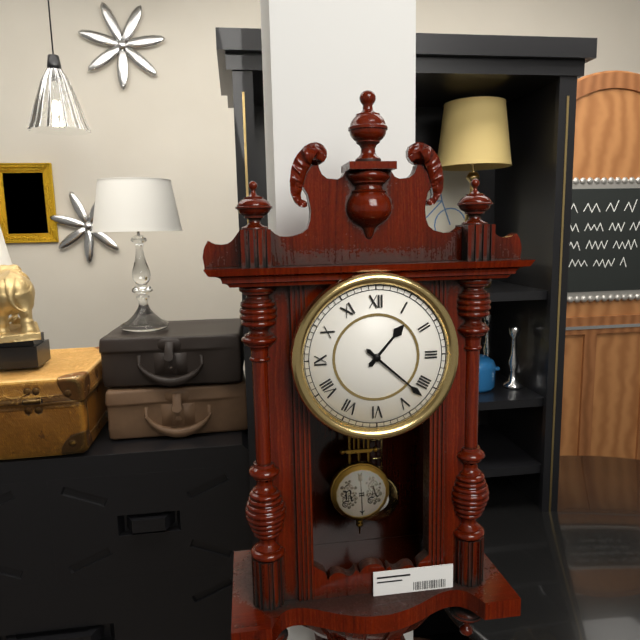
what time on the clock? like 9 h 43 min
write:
1 h 22 min
